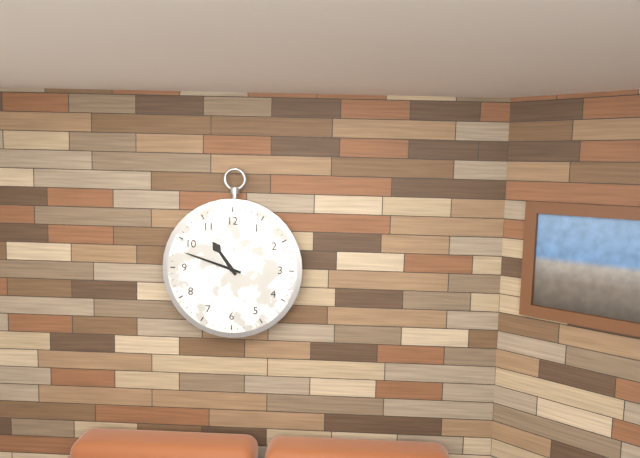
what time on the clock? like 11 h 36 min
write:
10 h 48 min
